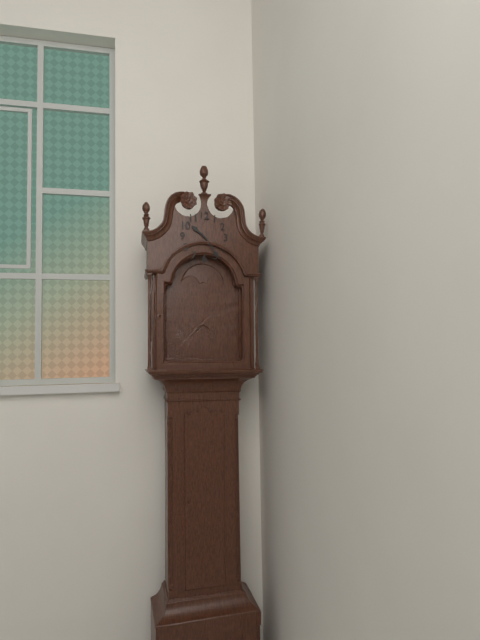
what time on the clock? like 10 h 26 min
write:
10 h 24 min
